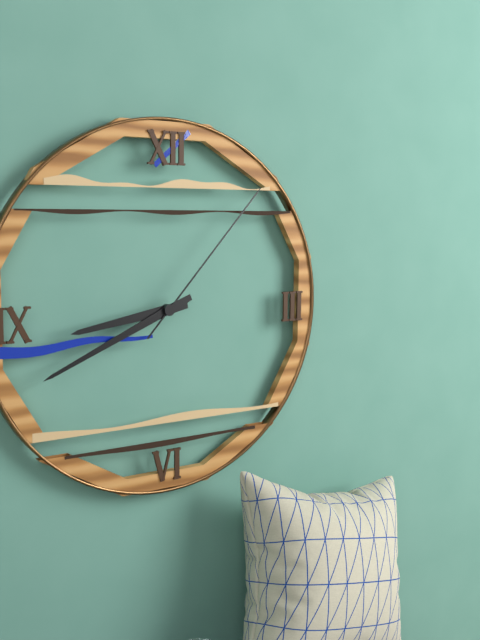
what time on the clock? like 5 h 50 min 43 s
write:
8 h 41 min 07 s
